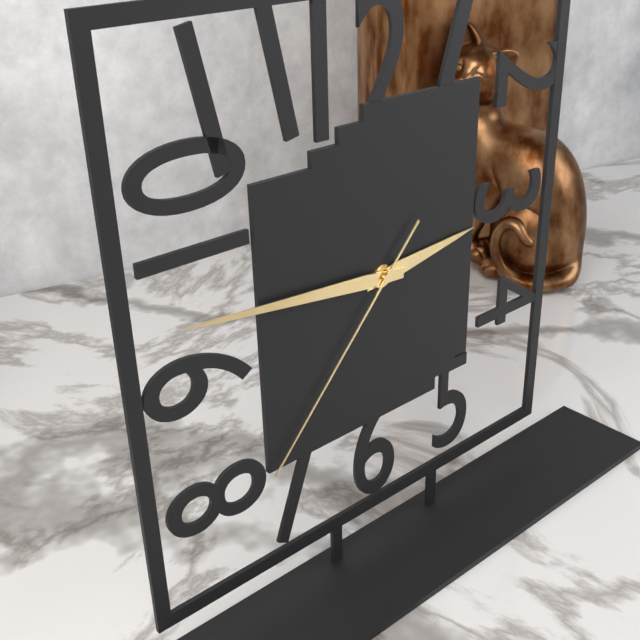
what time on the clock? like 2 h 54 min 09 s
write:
2 h 46 min 37 s
